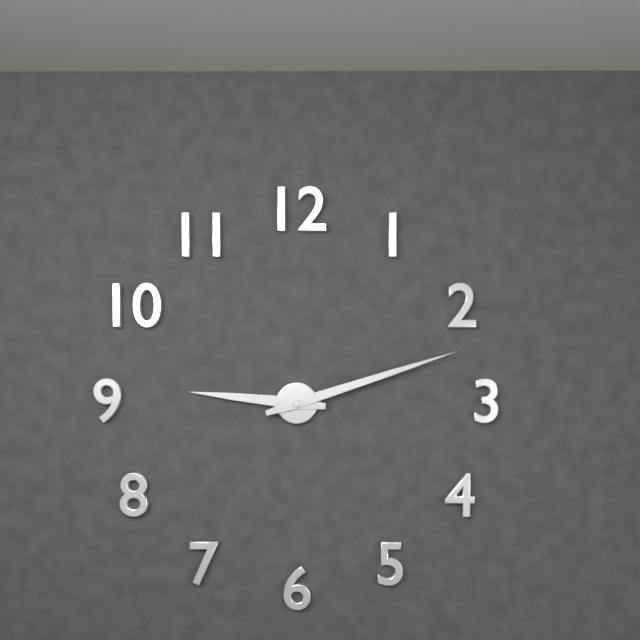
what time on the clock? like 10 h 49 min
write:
9 h 12 min
